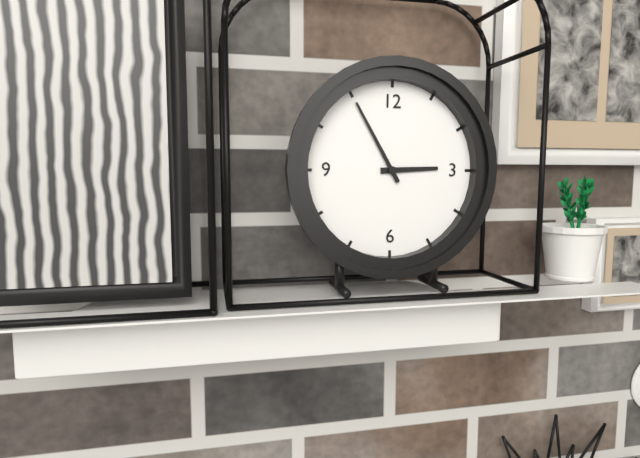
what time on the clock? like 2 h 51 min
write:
2 h 55 min
